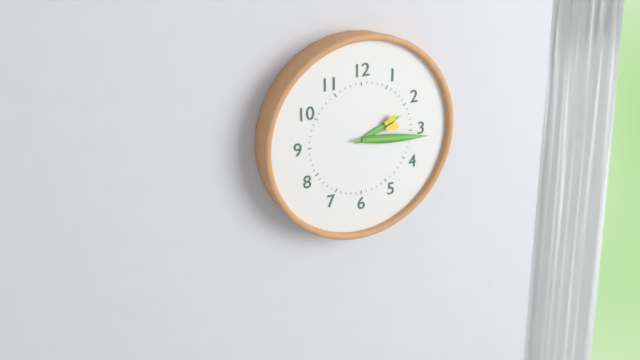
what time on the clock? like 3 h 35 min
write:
2 h 16 min
